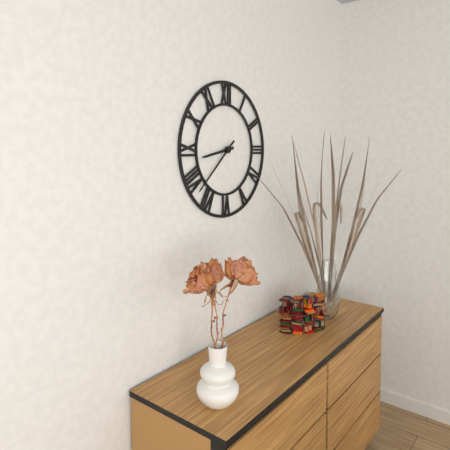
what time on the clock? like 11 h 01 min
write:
8 h 38 min
